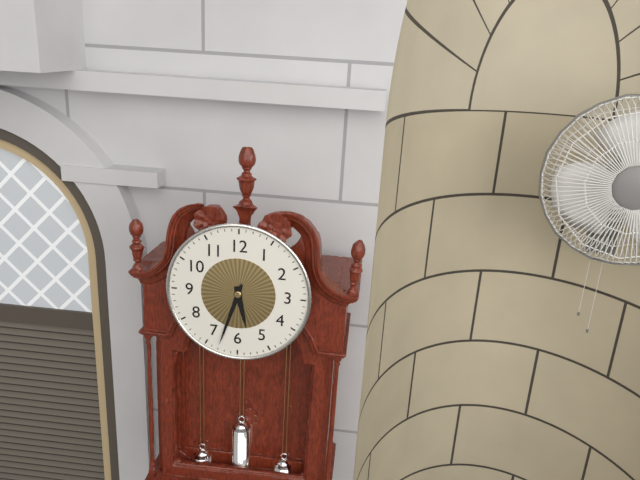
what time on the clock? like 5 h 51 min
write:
5 h 33 min
